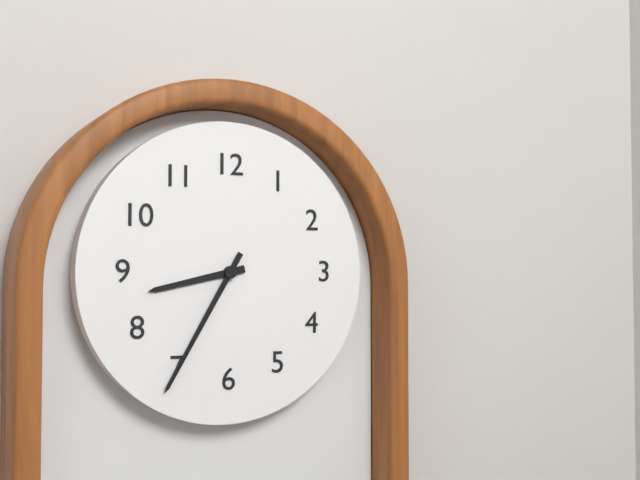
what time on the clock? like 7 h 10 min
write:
8 h 35 min
